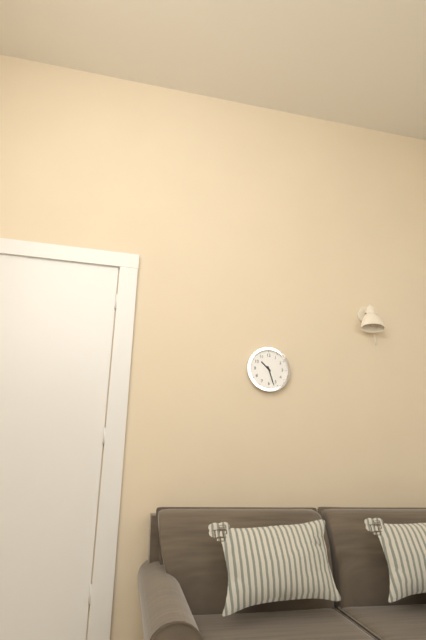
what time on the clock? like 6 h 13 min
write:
10 h 27 min
